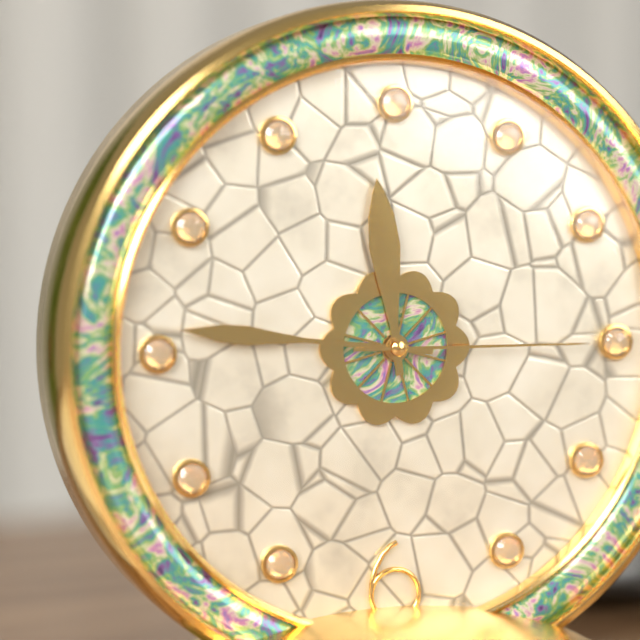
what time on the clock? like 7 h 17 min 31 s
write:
11 h 46 min 15 s
